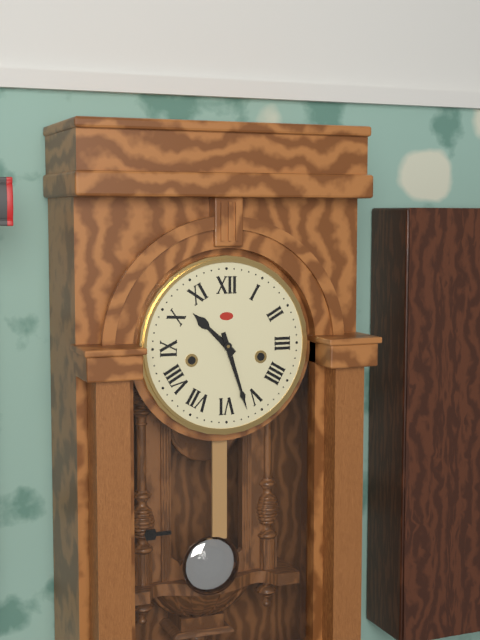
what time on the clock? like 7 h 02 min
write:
10 h 27 min
